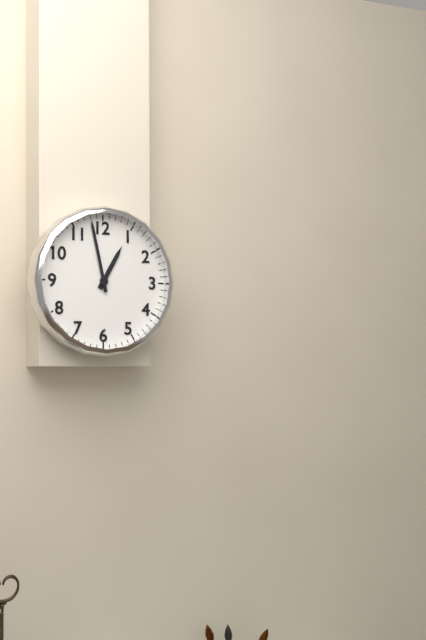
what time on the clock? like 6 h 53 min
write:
12 h 58 min
